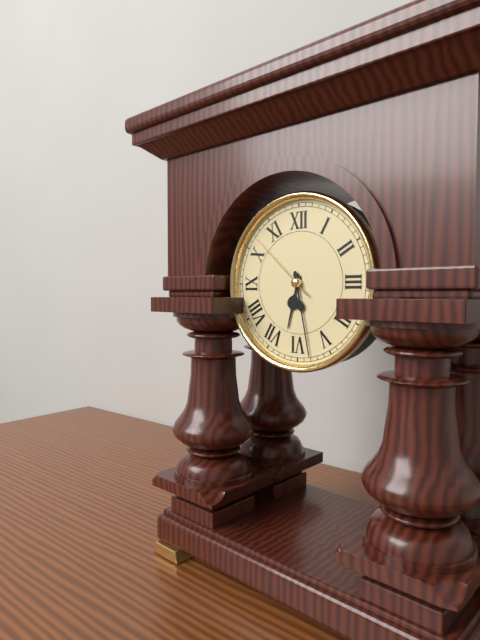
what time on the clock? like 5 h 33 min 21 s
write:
6 h 28 min 52 s
